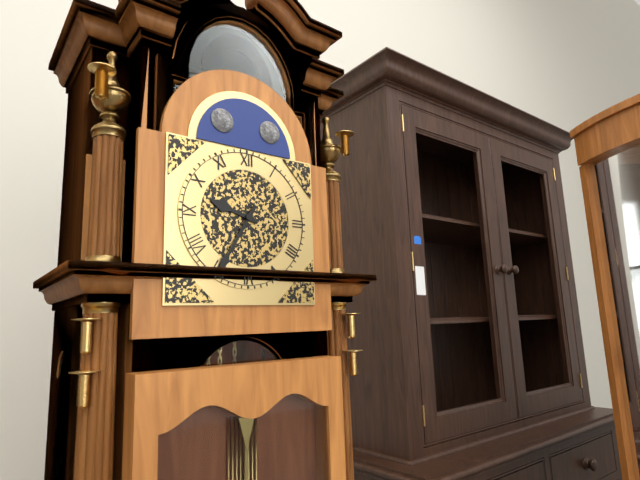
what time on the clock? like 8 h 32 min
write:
9 h 35 min
